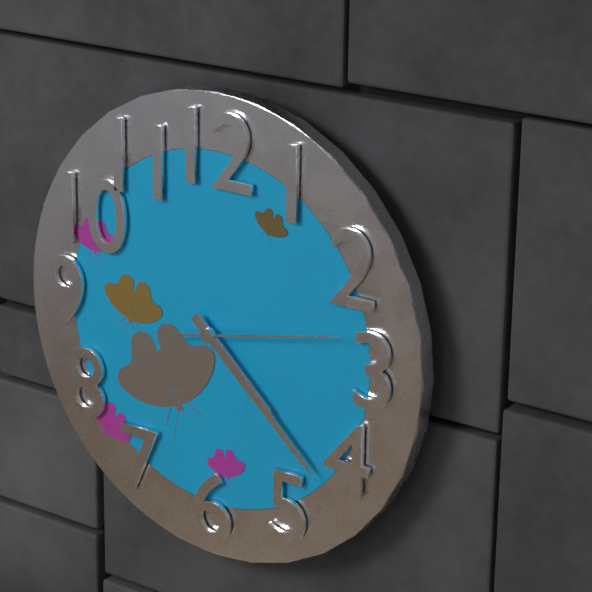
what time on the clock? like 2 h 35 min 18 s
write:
4 h 22 min 13 s
